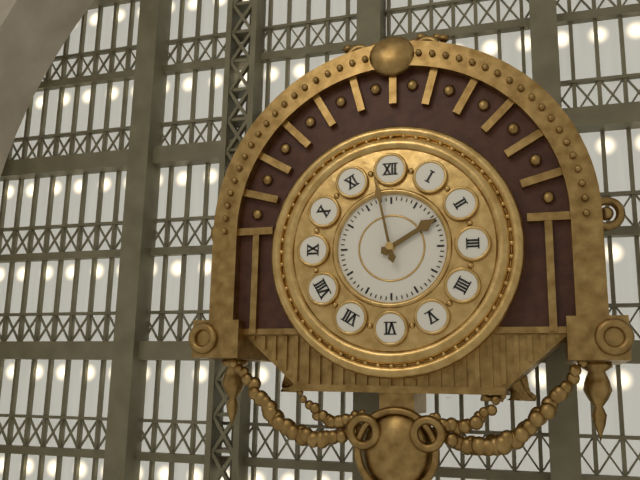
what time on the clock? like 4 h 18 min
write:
1 h 58 min
